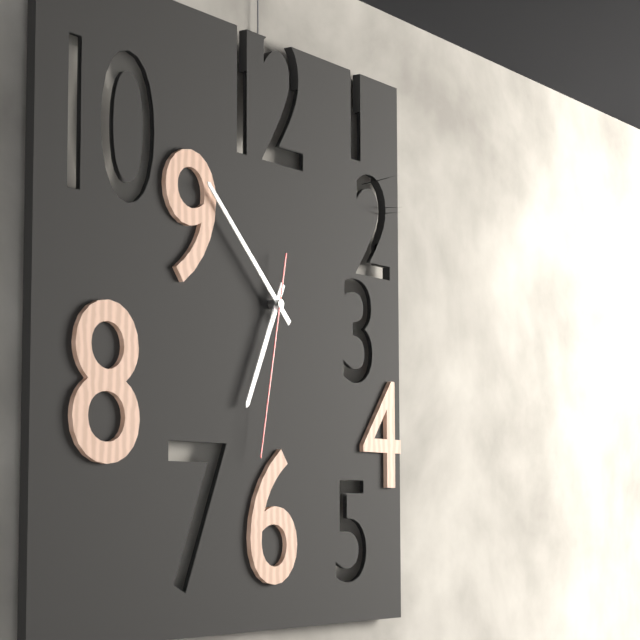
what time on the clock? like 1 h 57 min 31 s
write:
6 h 52 min 32 s
